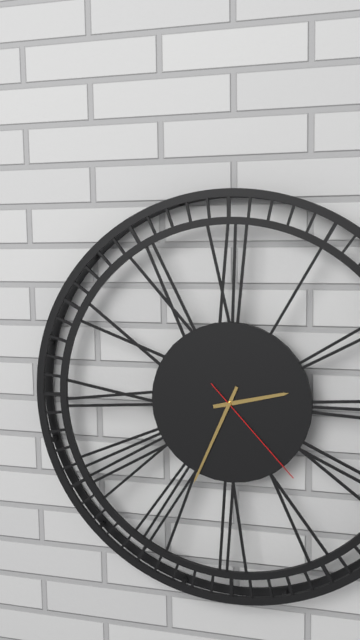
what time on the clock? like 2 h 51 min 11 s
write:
2 h 34 min 23 s
